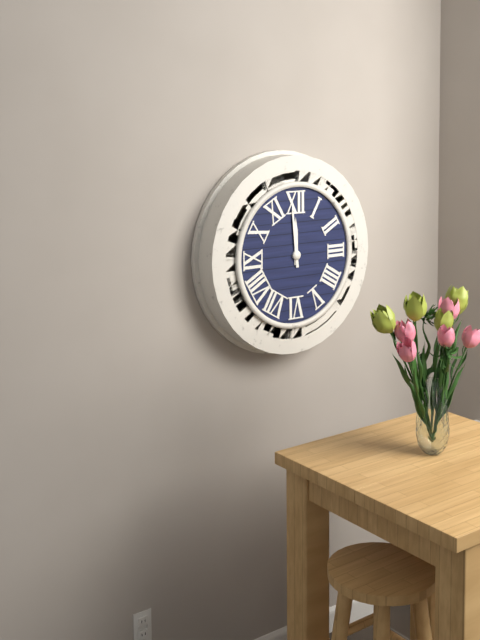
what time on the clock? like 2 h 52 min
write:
11 h 59 min
